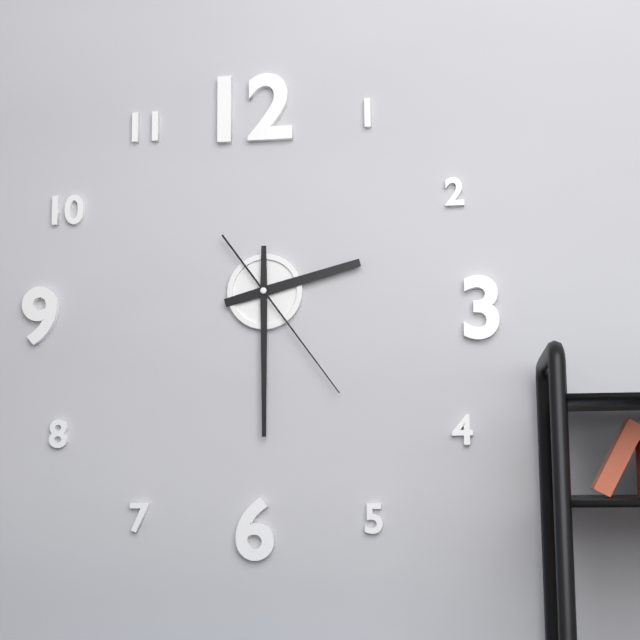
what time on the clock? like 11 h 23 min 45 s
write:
2 h 30 min 24 s
